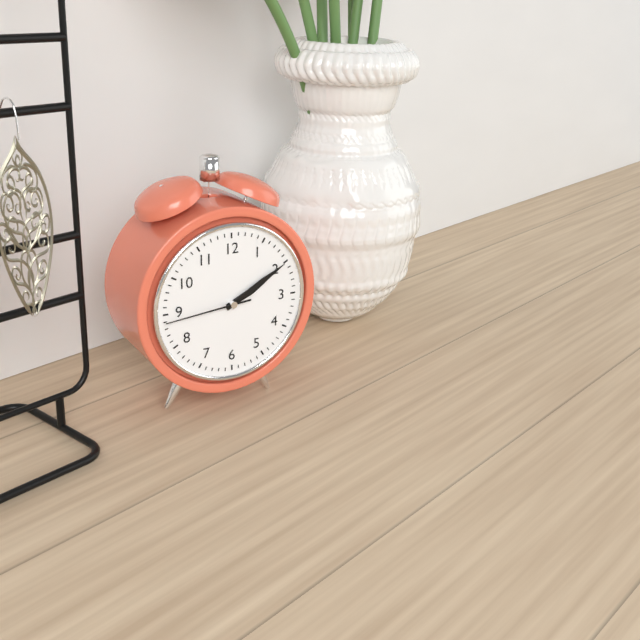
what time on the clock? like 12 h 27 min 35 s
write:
2 h 10 min 44 s
